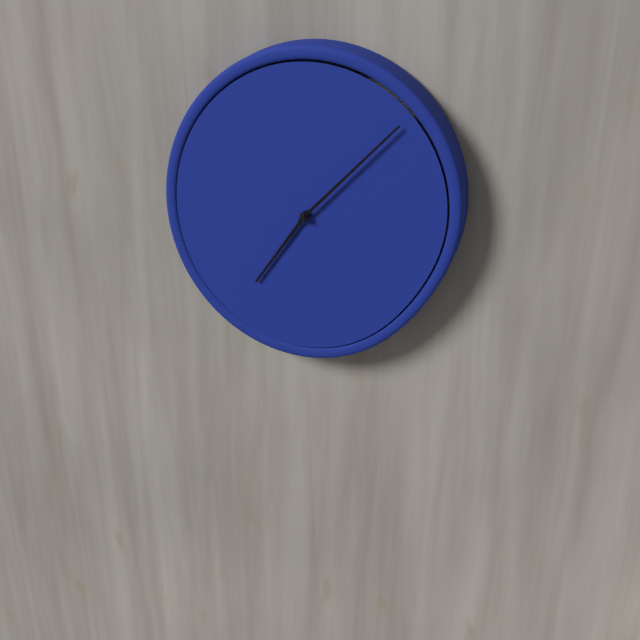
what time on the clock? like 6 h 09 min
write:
7 h 07 min
